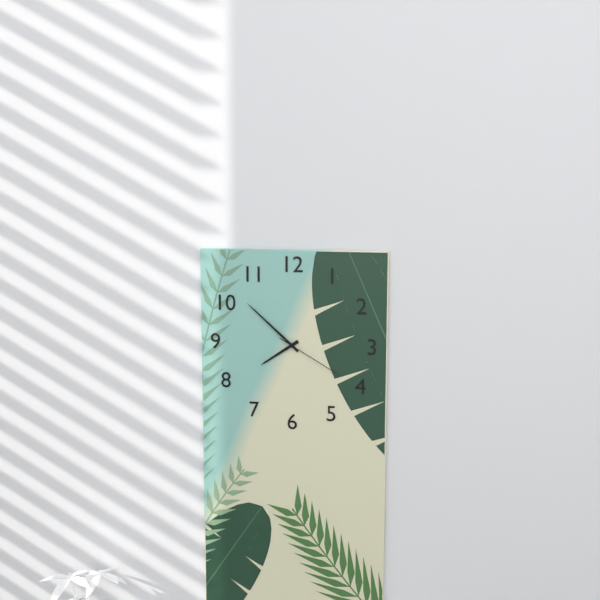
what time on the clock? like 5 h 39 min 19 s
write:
7 h 52 min 20 s
